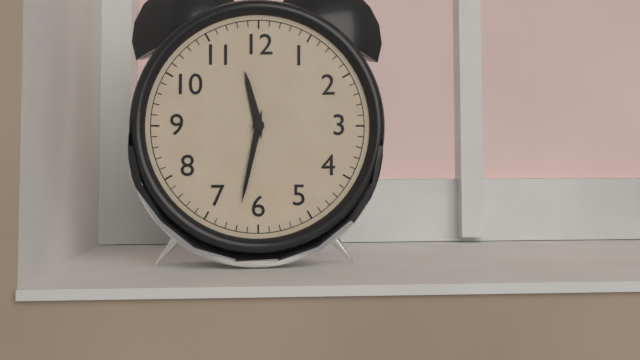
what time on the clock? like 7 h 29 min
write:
11 h 32 min
